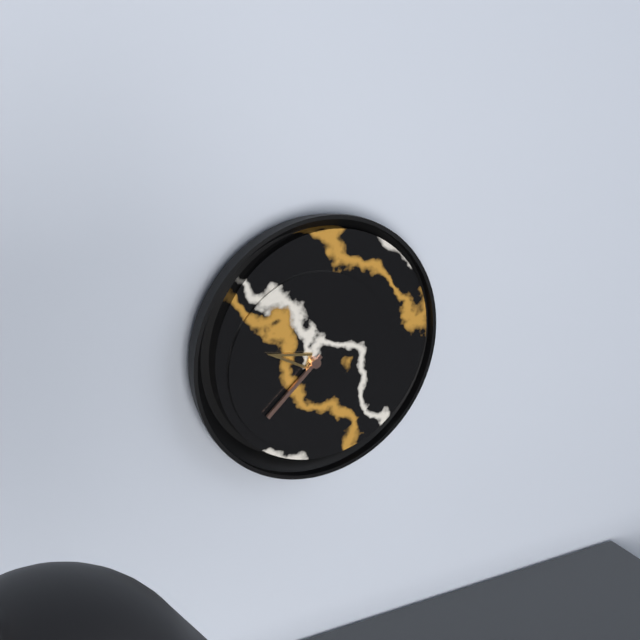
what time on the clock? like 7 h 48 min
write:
9 h 38 min
